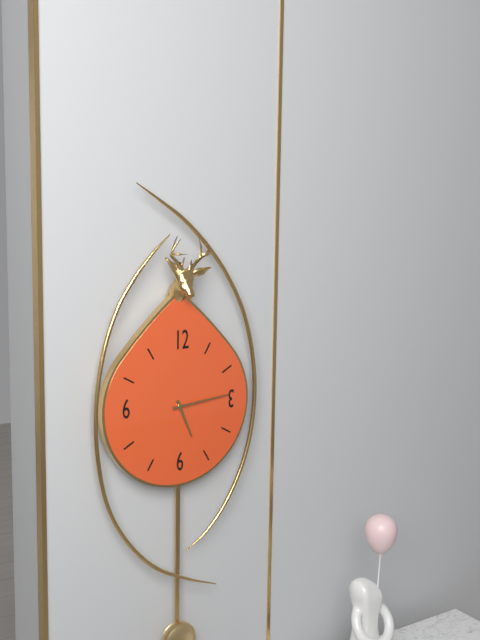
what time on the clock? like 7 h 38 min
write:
5 h 14 min
